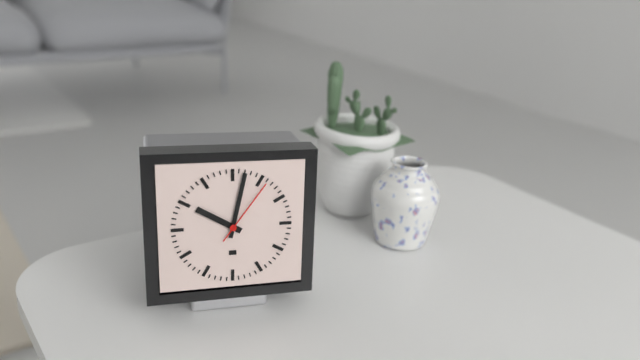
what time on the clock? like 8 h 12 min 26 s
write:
10 h 02 min 06 s
